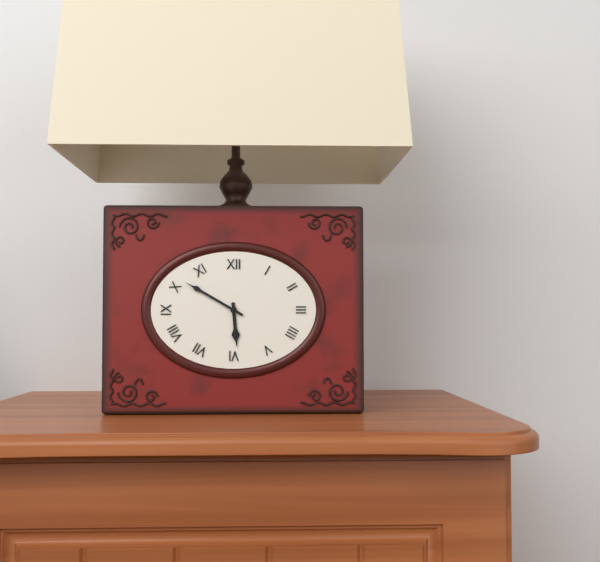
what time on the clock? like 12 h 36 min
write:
5 h 50 min
